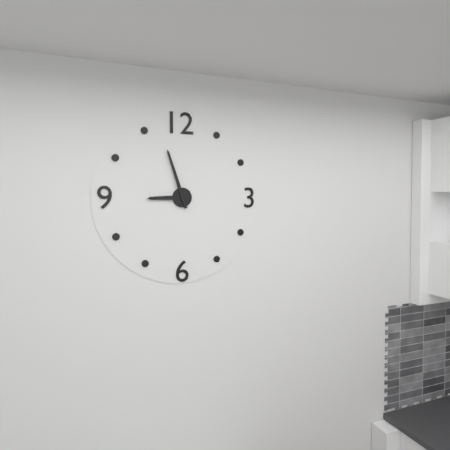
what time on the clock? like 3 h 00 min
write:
8 h 57 min
